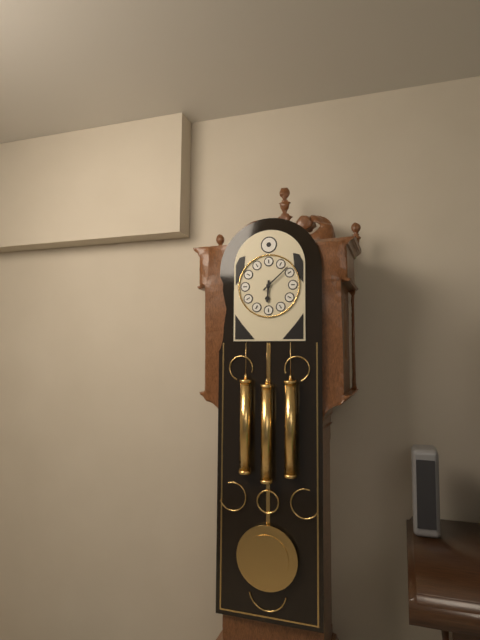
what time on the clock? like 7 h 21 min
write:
6 h 08 min
